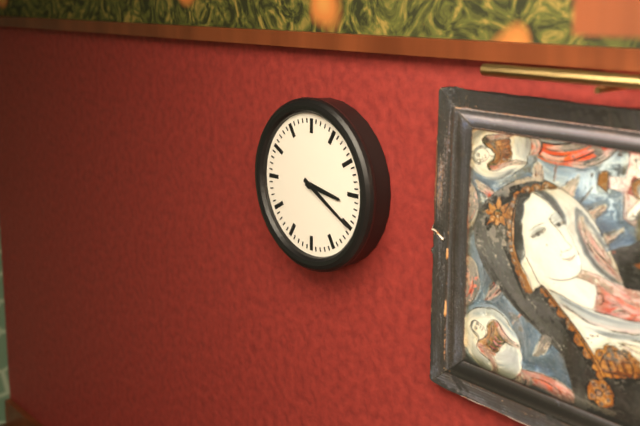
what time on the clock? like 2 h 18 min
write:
3 h 20 min
